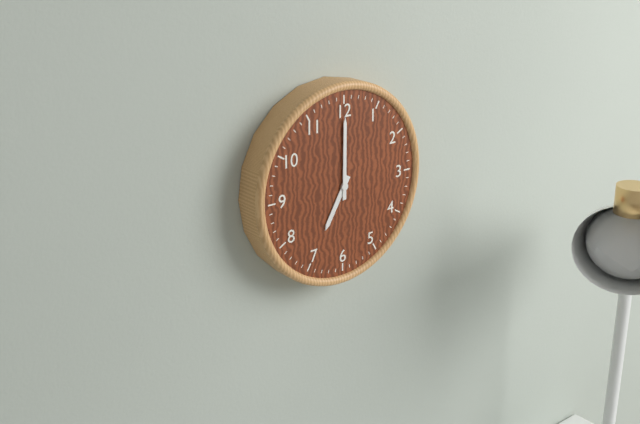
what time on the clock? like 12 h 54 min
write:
7 h 00 min
